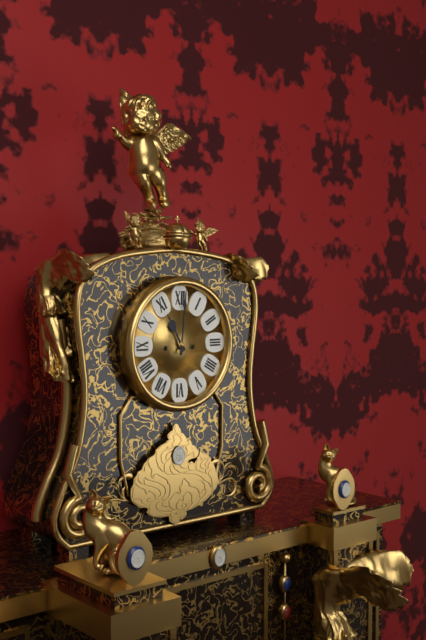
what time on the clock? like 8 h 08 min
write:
11 h 01 min
